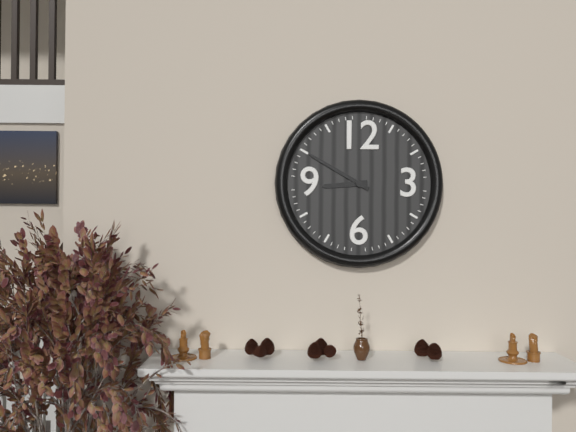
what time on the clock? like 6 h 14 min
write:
8 h 50 min
